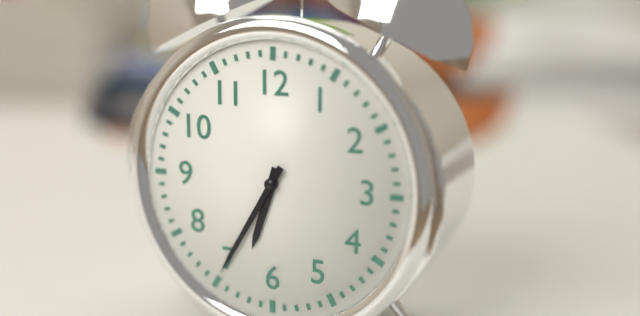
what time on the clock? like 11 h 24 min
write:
6 h 35 min
